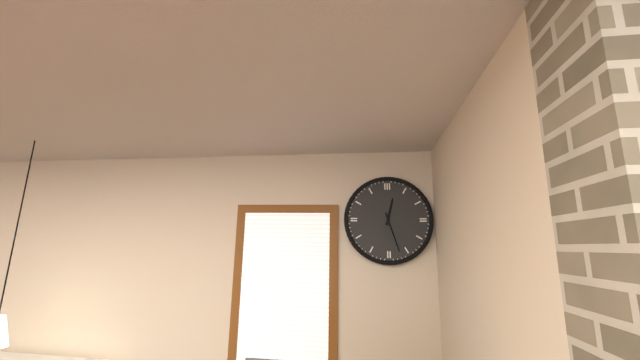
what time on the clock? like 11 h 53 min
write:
12 h 27 min
